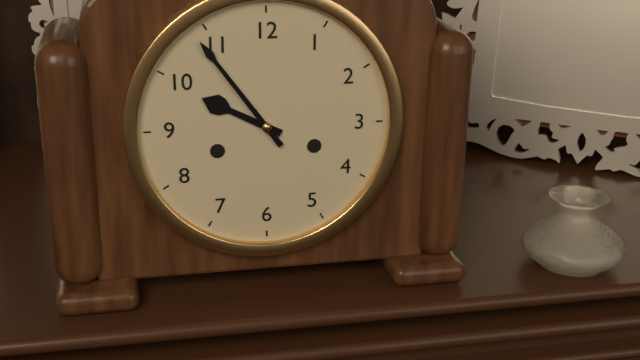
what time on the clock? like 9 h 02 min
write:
9 h 54 min
